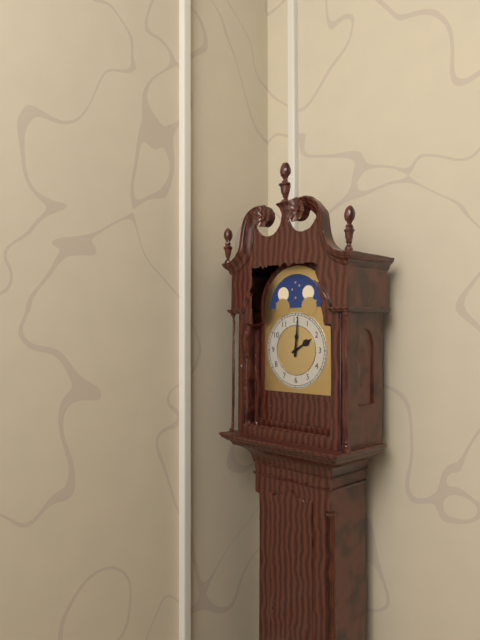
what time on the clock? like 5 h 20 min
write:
2 h 01 min
